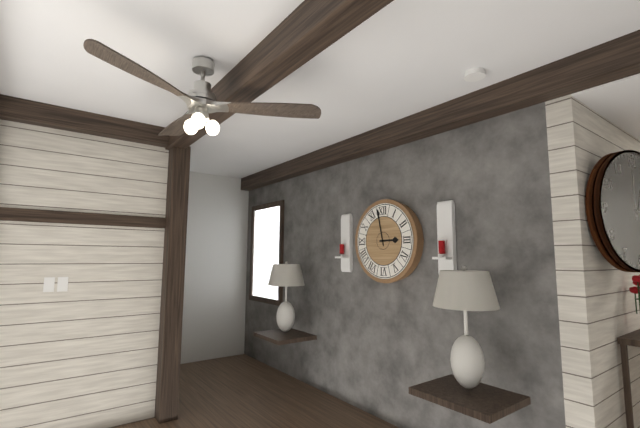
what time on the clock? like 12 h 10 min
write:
2 h 58 min
